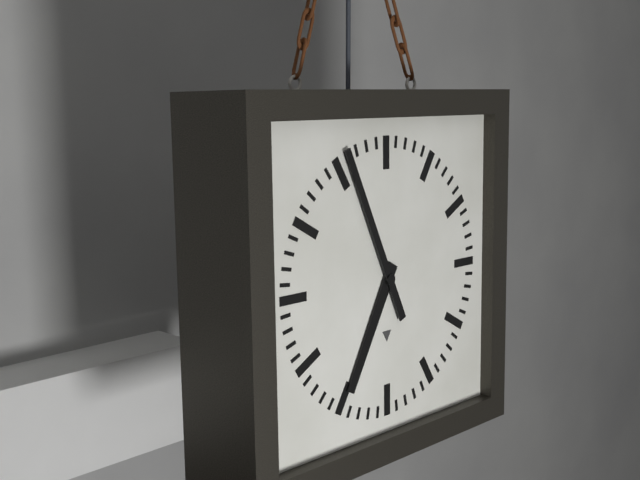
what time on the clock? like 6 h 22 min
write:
6 h 56 min
